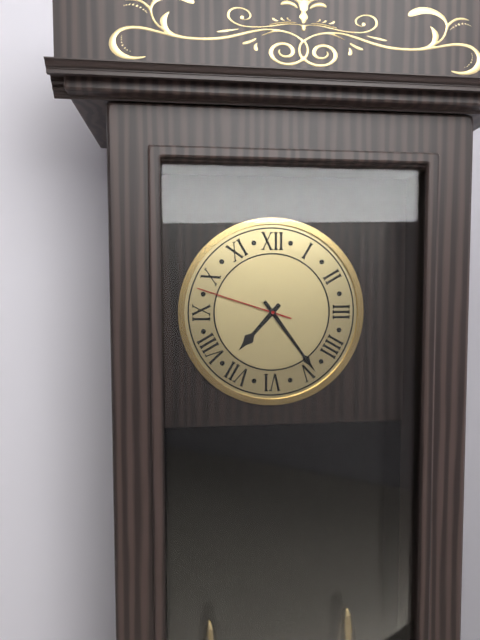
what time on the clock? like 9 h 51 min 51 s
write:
7 h 24 min 48 s
